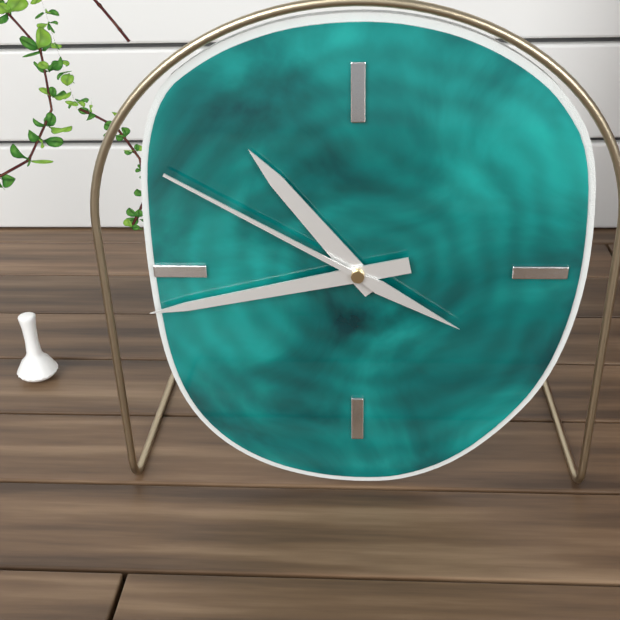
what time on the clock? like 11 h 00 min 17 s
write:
10 h 43 min 50 s
